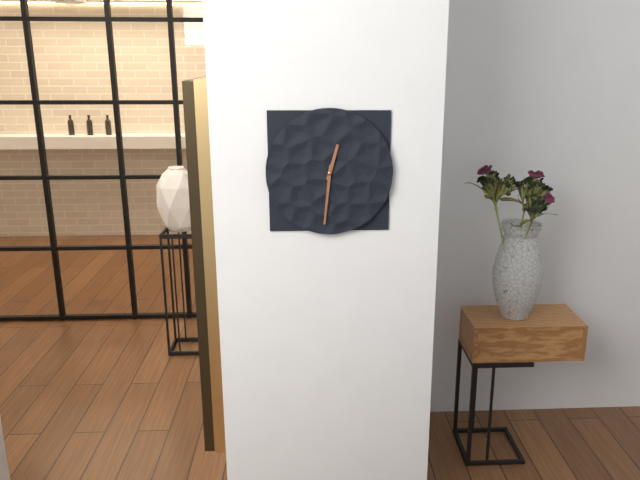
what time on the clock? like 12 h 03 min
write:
12 h 31 min
